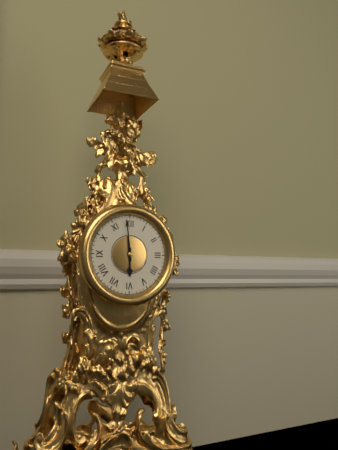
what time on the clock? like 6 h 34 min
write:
5 h 59 min
